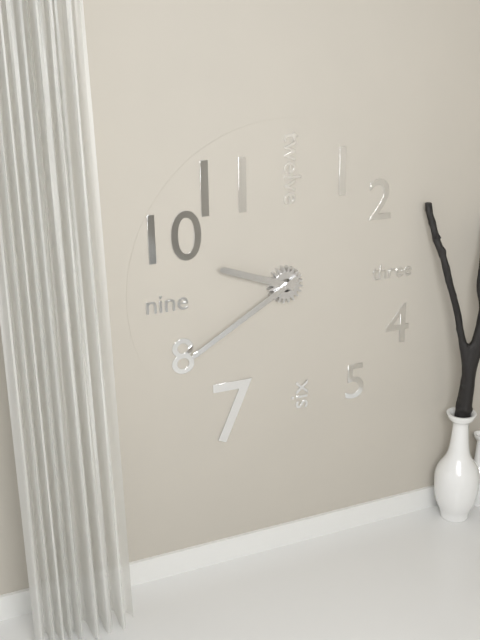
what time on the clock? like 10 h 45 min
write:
9 h 40 min
